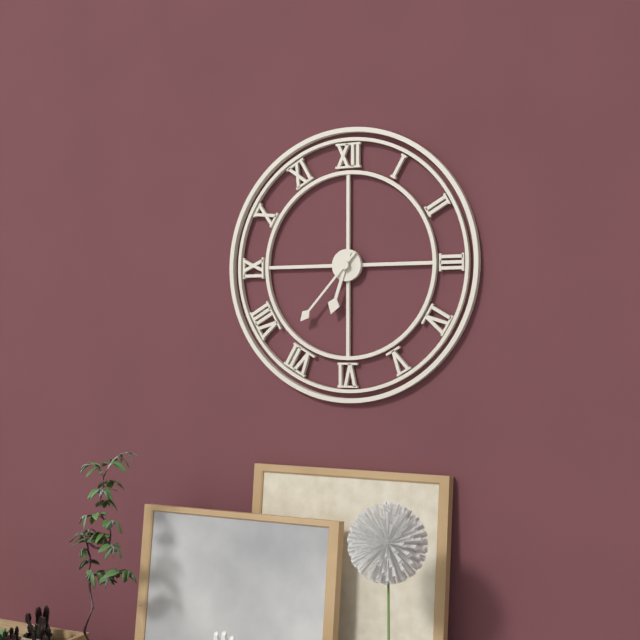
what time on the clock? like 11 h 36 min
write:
6 h 37 min
